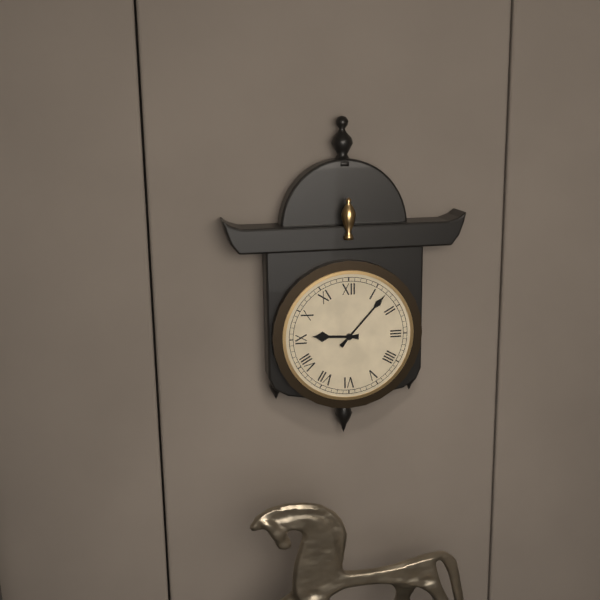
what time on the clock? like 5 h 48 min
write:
9 h 07 min
